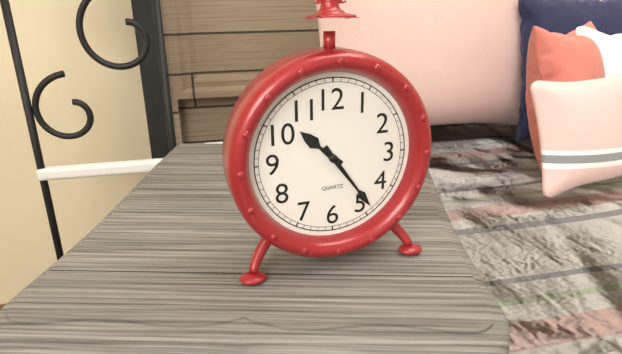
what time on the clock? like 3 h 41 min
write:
10 h 24 min
